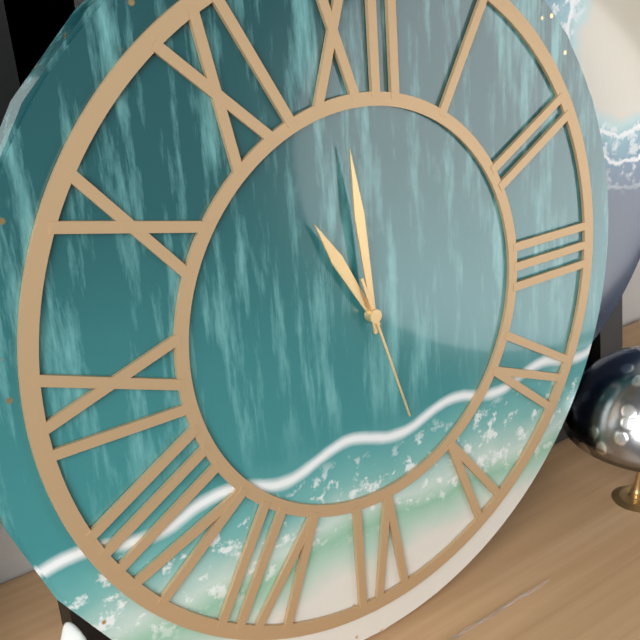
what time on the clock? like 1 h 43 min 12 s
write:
10 h 59 min 27 s
